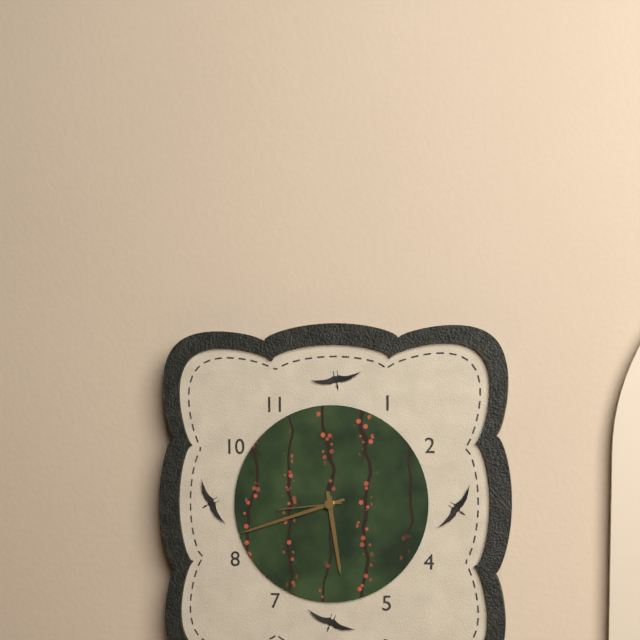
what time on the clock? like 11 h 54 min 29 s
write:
5 h 42 min 44 s
